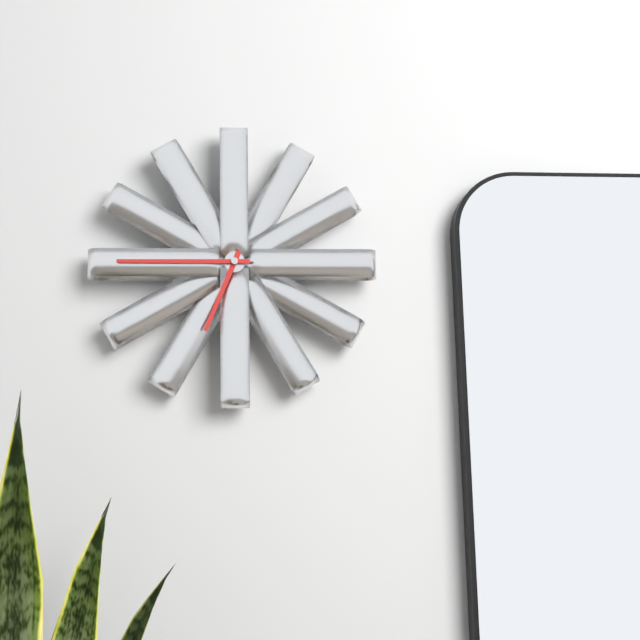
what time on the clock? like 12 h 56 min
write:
6 h 45 min
